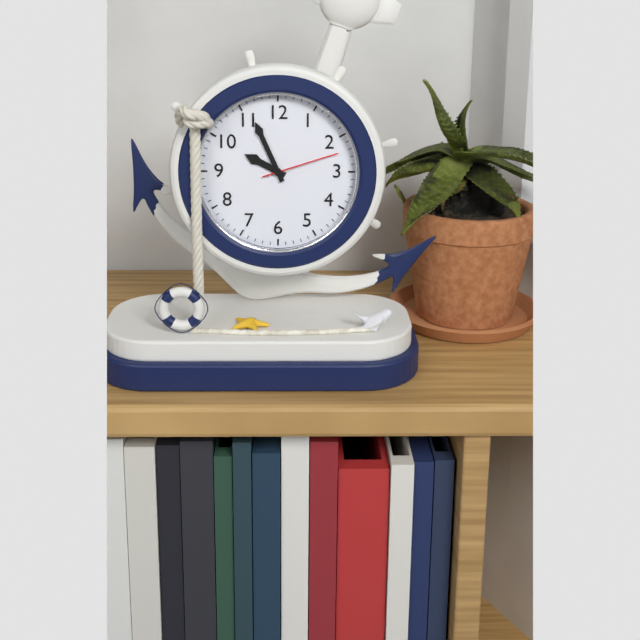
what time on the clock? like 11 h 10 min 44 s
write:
9 h 56 min 12 s
